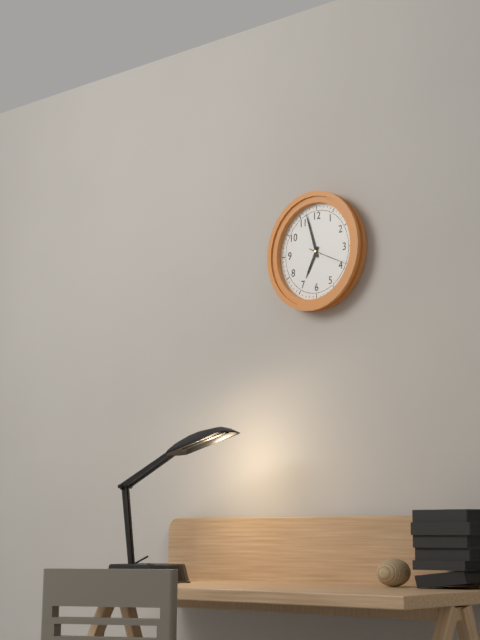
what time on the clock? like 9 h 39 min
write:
6 h 57 min
